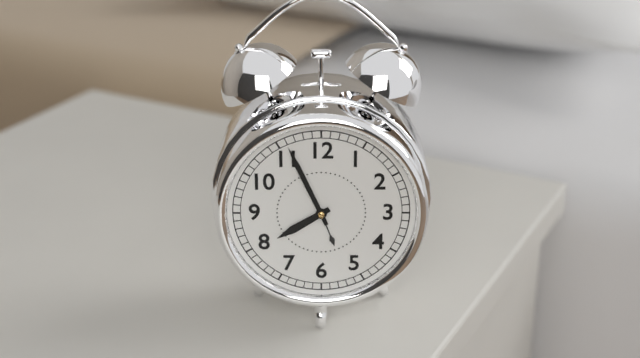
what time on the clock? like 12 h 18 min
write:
7 h 56 min
